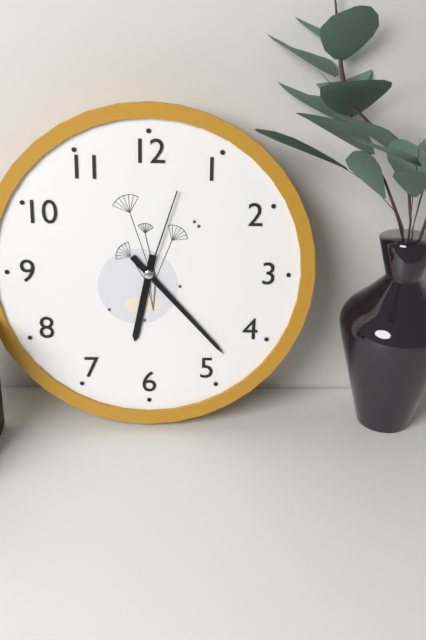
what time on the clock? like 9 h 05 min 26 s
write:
6 h 23 min 03 s
